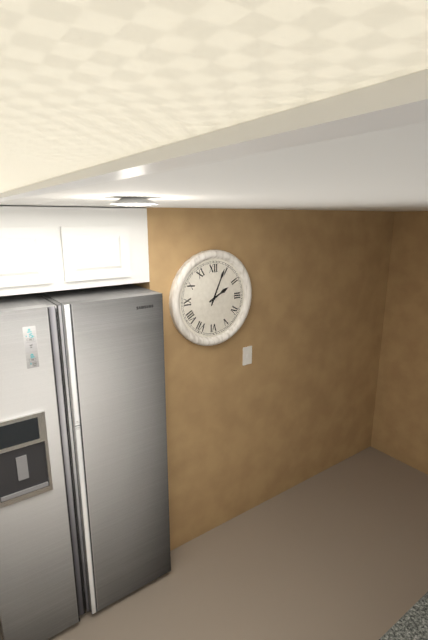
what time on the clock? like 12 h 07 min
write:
2 h 04 min
